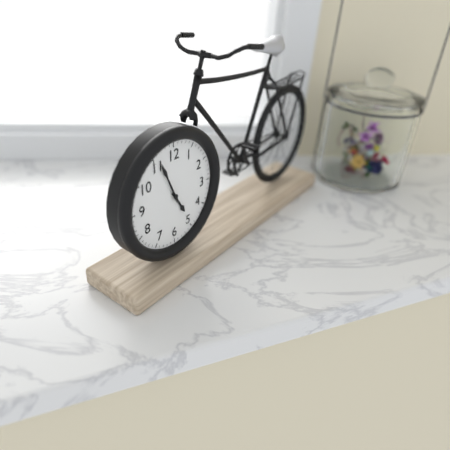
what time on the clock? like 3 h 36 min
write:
4 h 56 min
